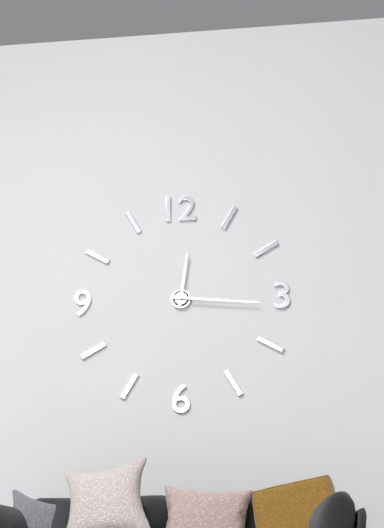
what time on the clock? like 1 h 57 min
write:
12 h 16 min
